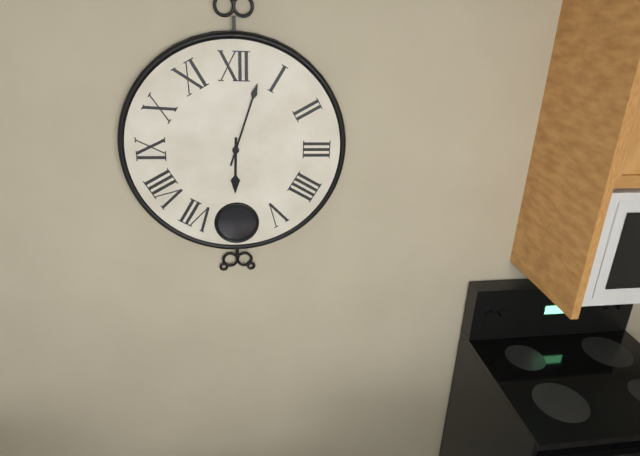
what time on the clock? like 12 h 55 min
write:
6 h 03 min
